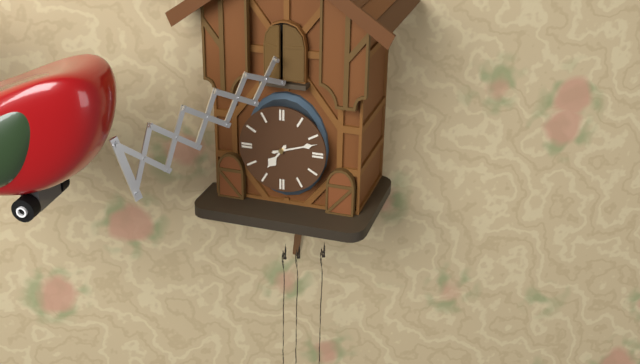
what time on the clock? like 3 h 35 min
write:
7 h 12 min
